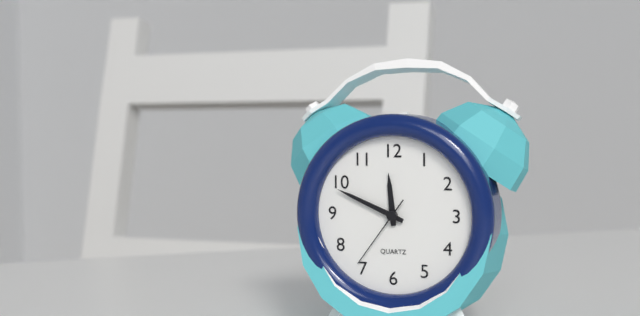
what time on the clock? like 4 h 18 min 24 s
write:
11 h 49 min 36 s
